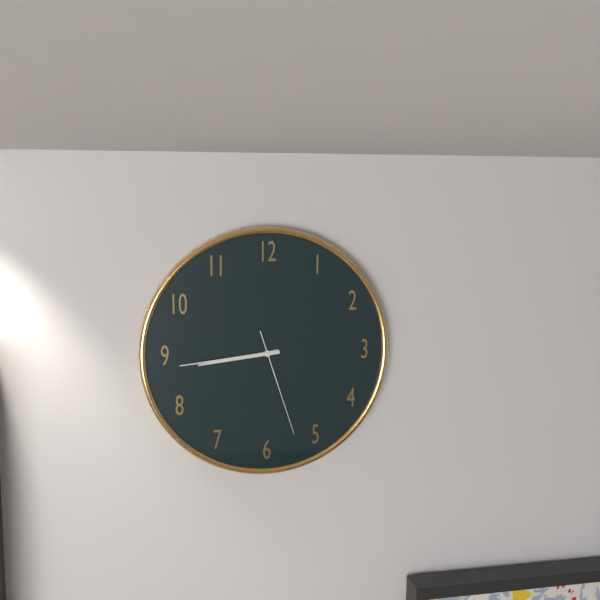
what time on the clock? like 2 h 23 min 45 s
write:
8 h 44 min 27 s
